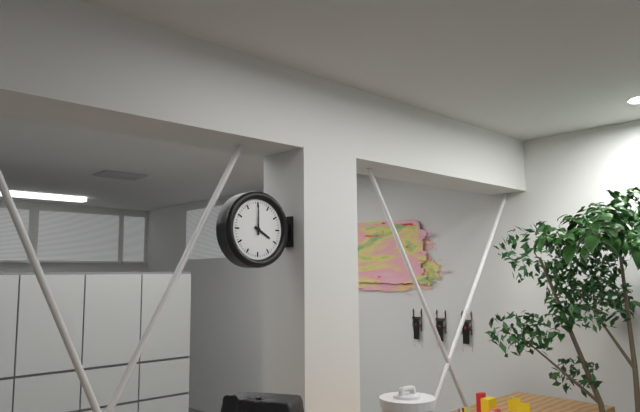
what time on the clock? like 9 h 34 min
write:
4 h 00 min
